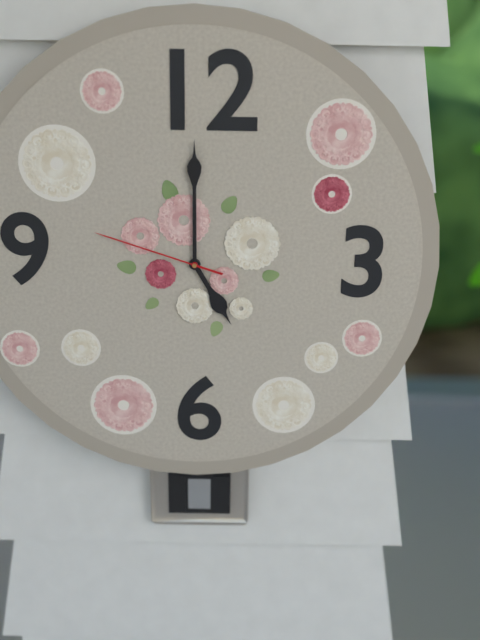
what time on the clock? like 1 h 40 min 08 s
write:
5 h 00 min 48 s
